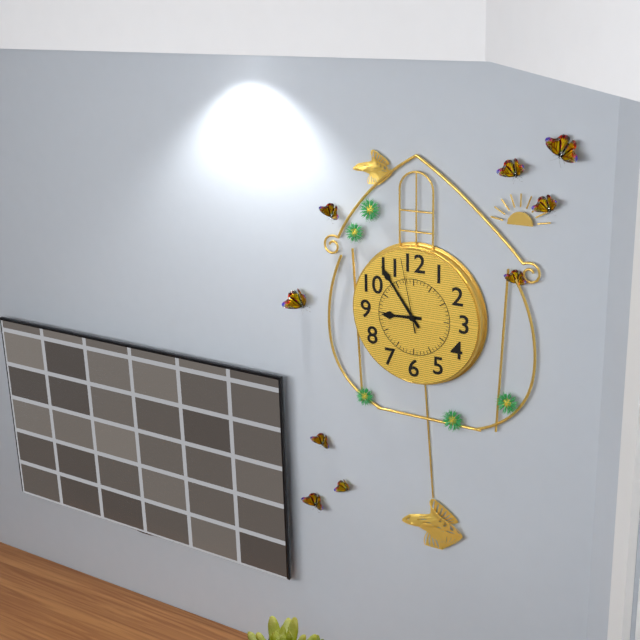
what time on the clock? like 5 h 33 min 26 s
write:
8 h 54 min 58 s
